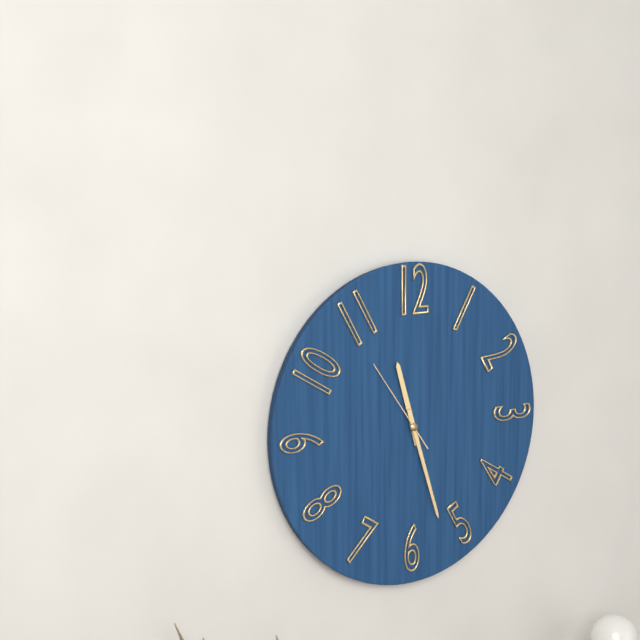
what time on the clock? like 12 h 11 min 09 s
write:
11 h 27 min 54 s
